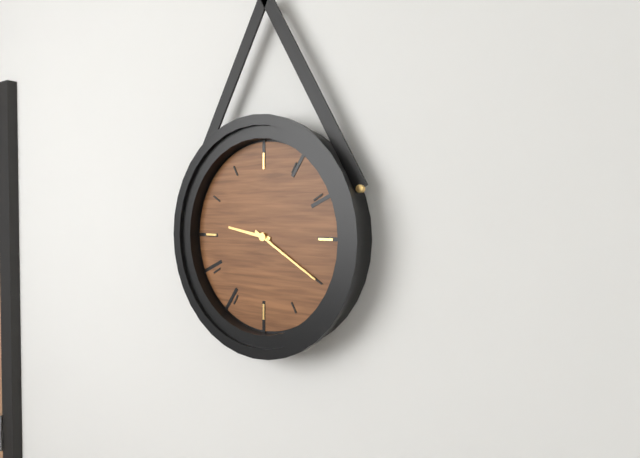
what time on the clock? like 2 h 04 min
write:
9 h 20 min
